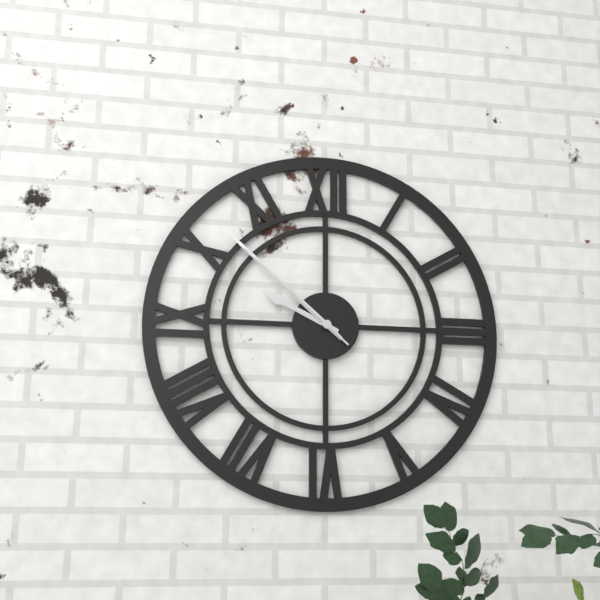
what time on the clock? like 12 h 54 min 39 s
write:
9 h 52 min 52 s
